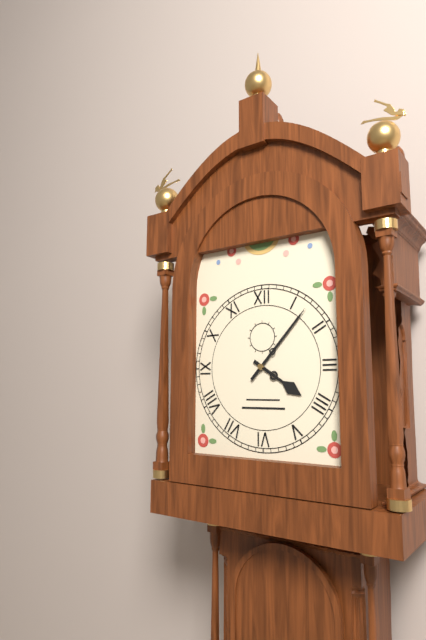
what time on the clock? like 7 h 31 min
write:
4 h 07 min
